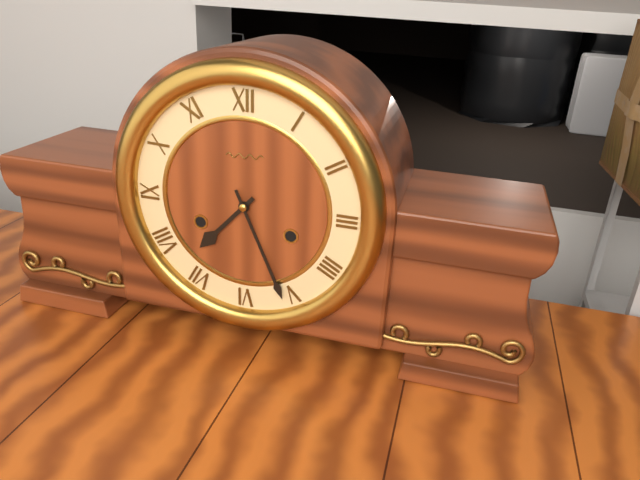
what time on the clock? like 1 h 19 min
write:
7 h 26 min
